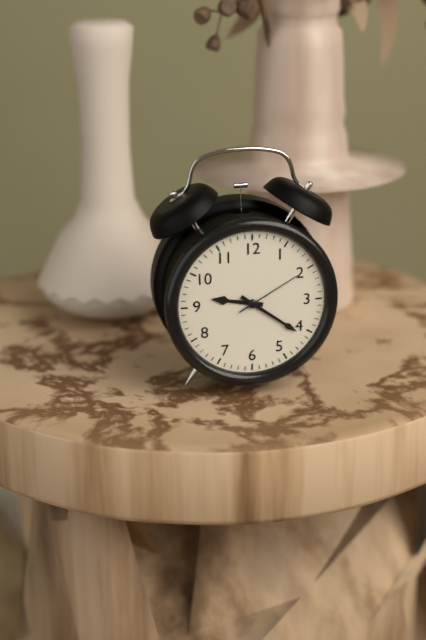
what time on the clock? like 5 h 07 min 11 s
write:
9 h 21 min 10 s
